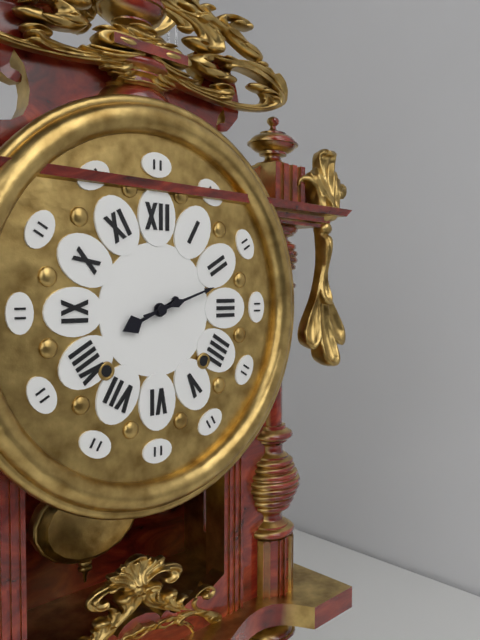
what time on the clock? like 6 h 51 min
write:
8 h 12 min
